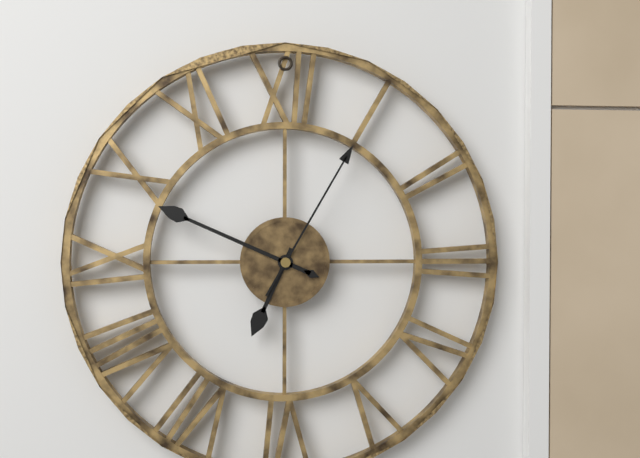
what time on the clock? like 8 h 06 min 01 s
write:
6 h 49 min 05 s
